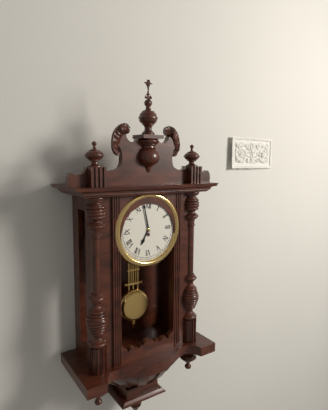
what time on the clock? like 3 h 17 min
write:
6 h 58 min
